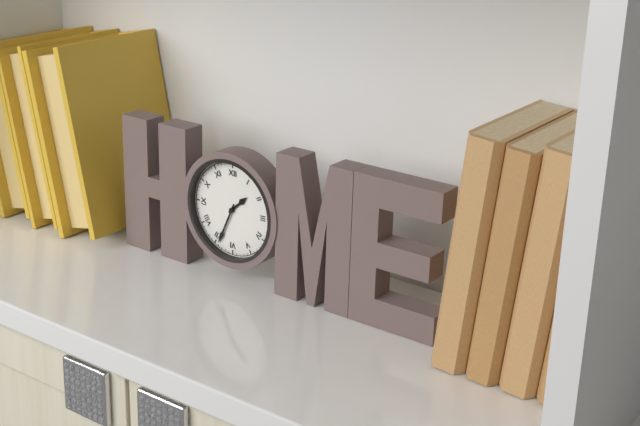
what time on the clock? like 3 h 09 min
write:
1 h 34 min
